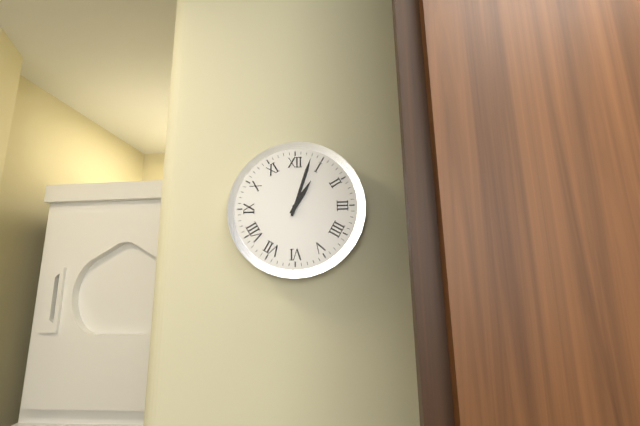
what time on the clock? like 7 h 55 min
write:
1 h 03 min
